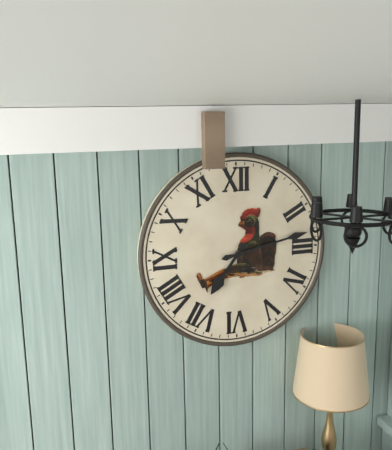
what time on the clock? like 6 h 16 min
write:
7 h 13 min
